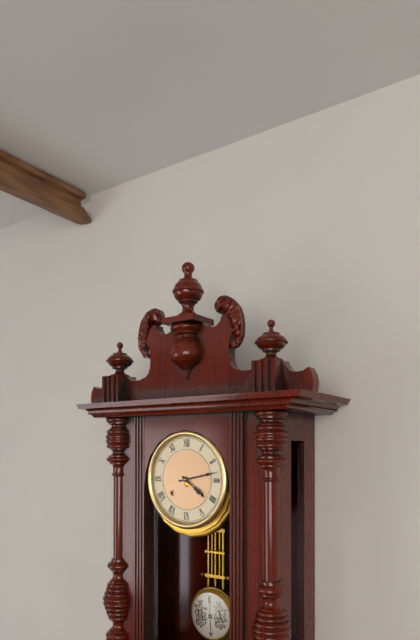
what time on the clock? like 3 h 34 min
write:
4 h 13 min
